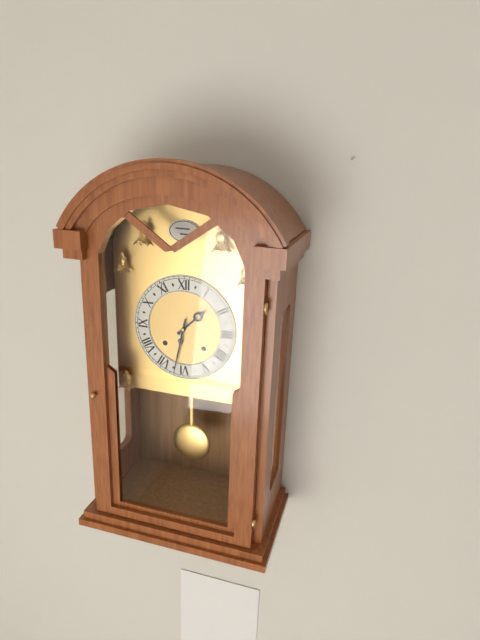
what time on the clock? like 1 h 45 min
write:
1 h 32 min
